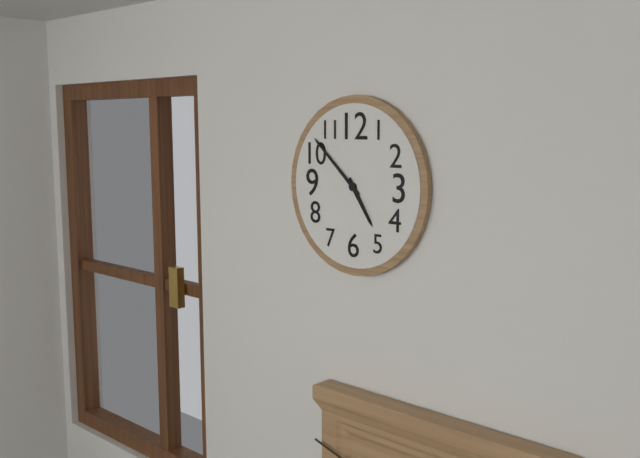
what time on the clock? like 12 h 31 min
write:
4 h 52 min
